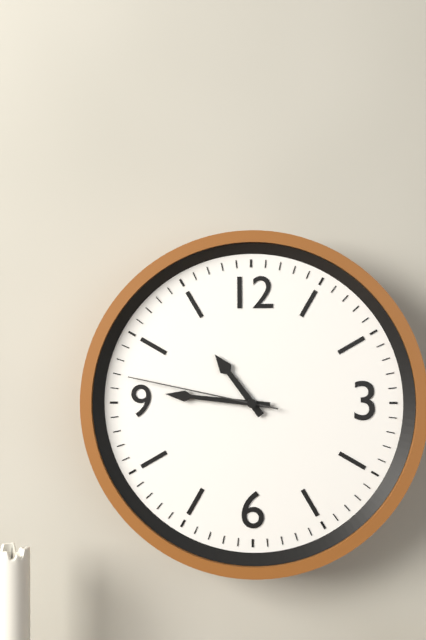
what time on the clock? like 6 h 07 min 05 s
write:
10 h 46 min 47 s
